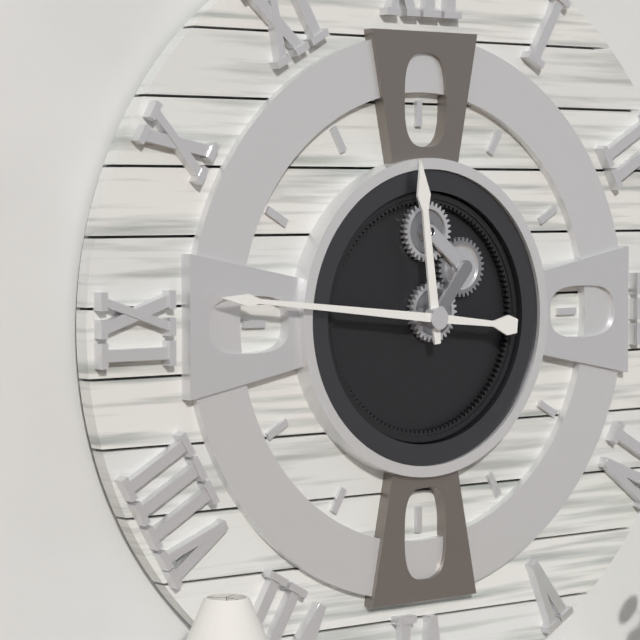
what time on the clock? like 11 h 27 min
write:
11 h 46 min
